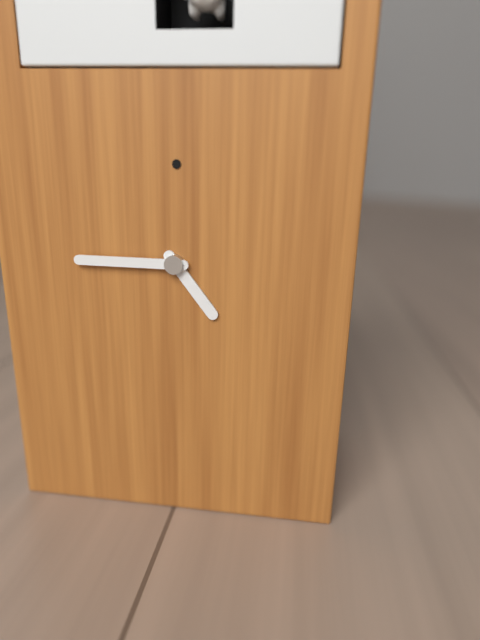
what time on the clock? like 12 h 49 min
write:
4 h 45 min
